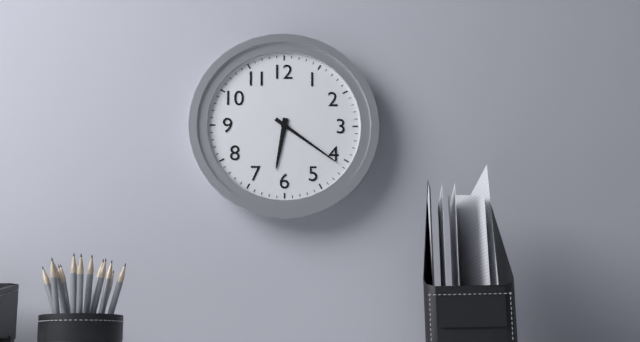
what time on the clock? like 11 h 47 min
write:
6 h 21 min
